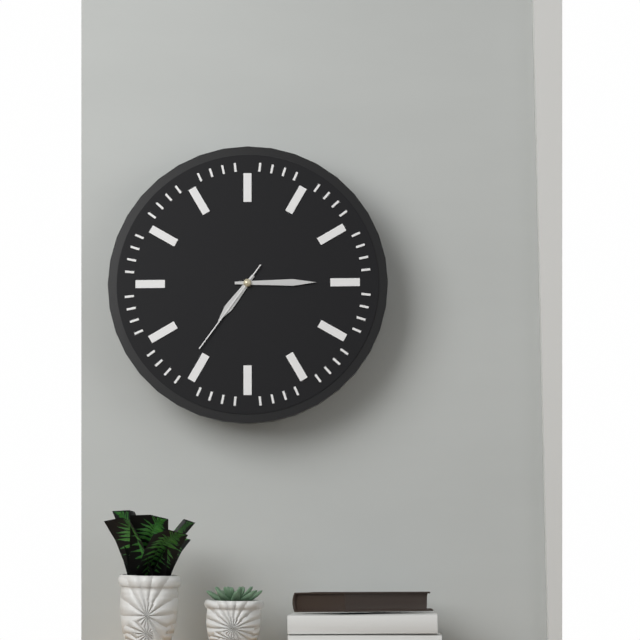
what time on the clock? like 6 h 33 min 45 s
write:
7 h 15 min 36 s
